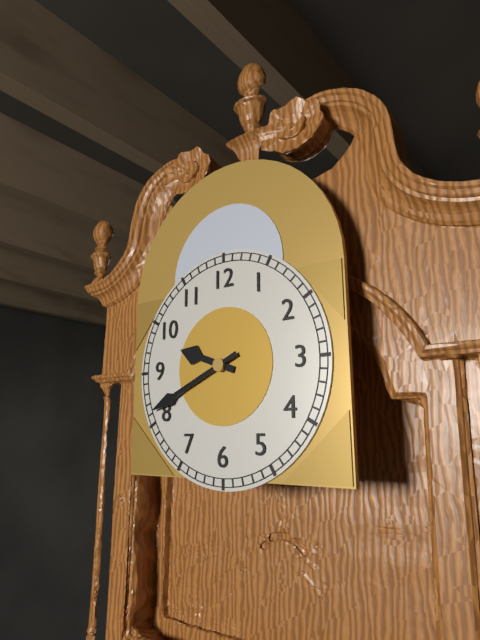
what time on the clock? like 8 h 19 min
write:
9 h 41 min
